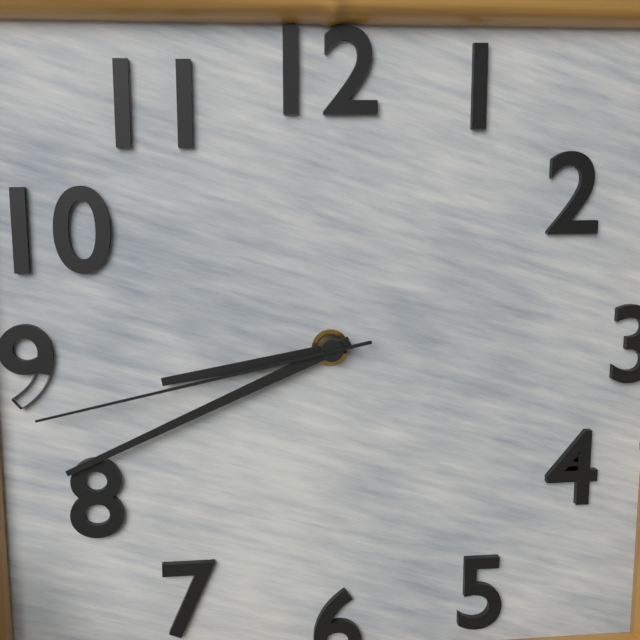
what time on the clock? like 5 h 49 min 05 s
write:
8 h 41 min 43 s
